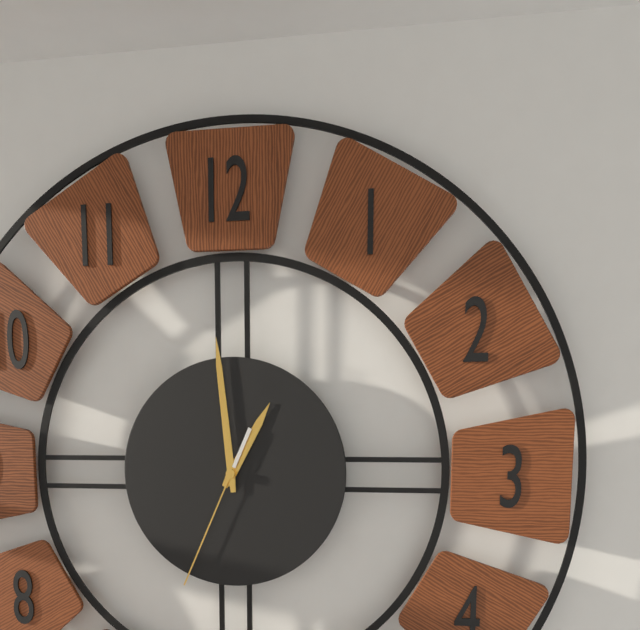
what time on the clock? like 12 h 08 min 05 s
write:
12 h 59 min 34 s
